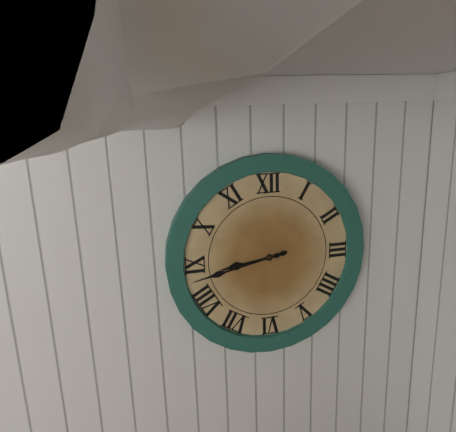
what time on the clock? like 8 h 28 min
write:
8 h 43 min
